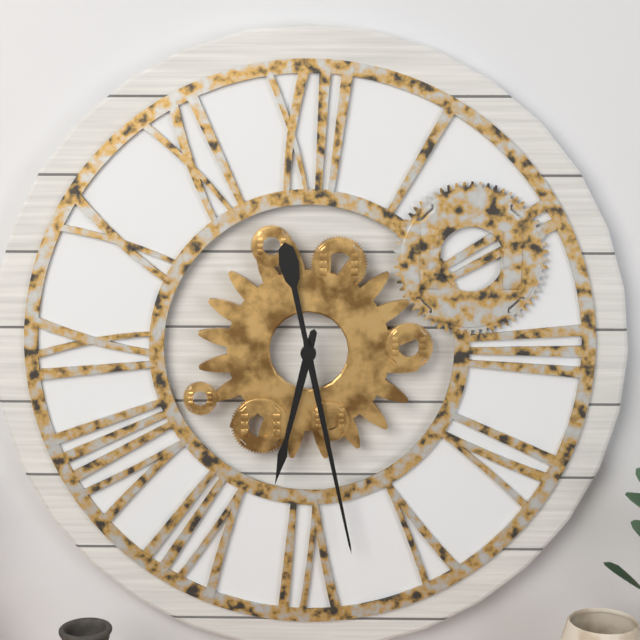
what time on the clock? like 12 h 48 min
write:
6 h 28 min
